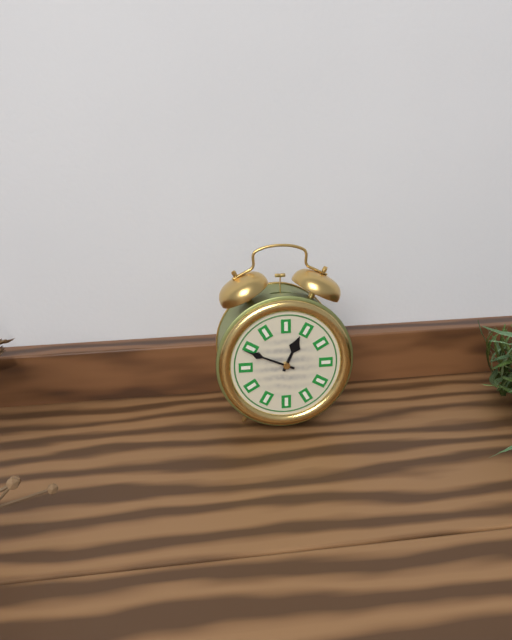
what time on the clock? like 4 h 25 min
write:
12 h 49 min
